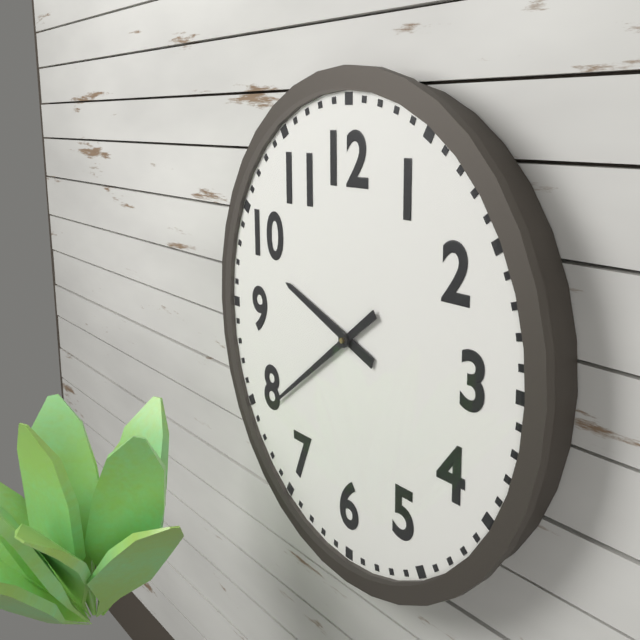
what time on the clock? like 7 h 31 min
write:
9 h 39 min
